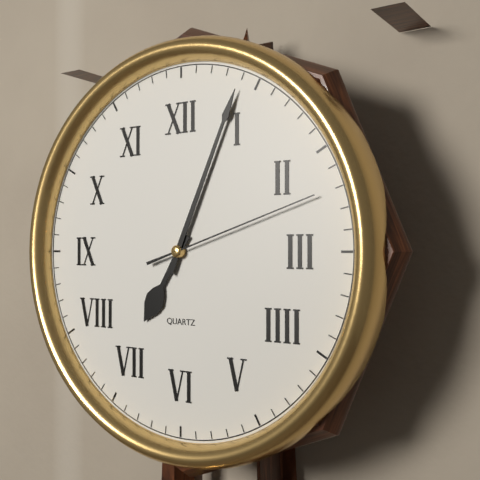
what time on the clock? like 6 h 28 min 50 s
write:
7 h 04 min 12 s
